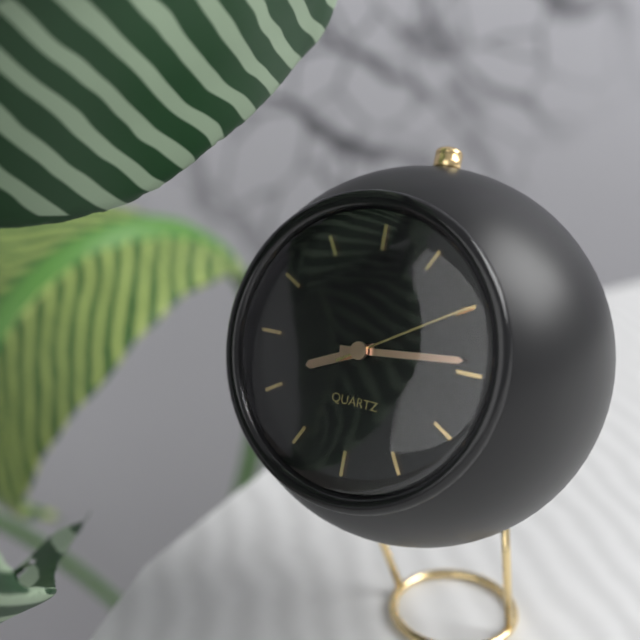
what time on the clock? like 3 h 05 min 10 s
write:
8 h 14 min 10 s
